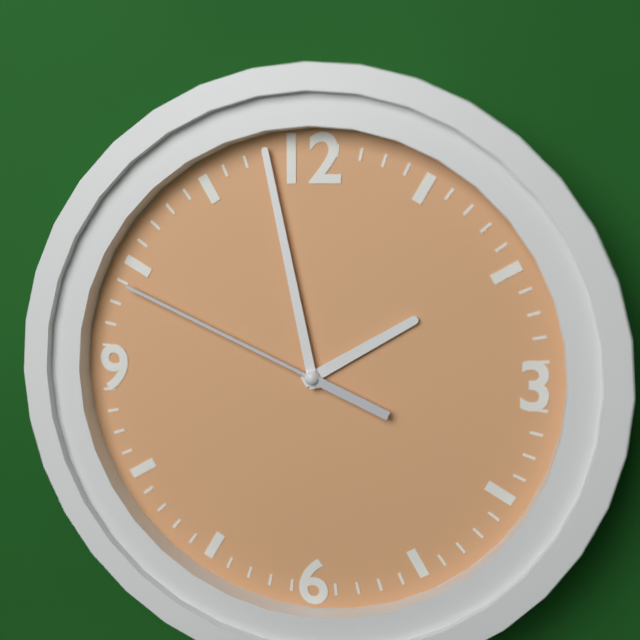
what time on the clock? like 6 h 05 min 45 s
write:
1 h 58 min 49 s
